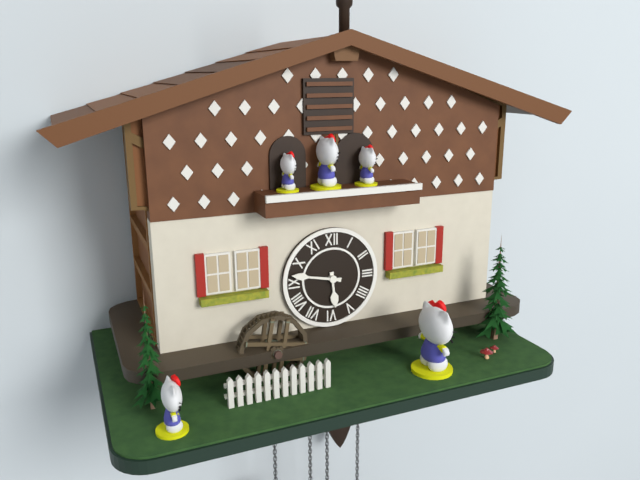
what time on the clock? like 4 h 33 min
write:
5 h 47 min
